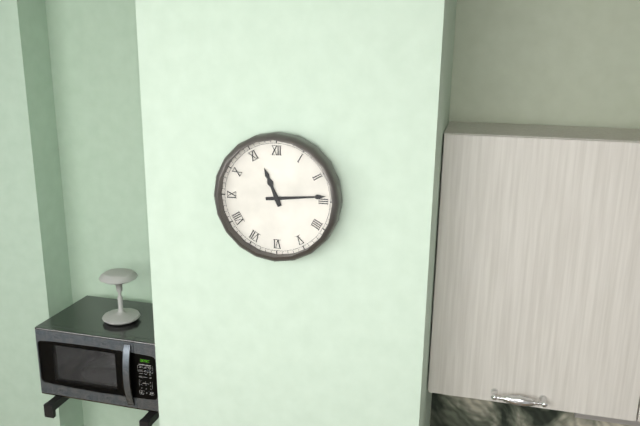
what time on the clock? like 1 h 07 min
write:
11 h 14 min
